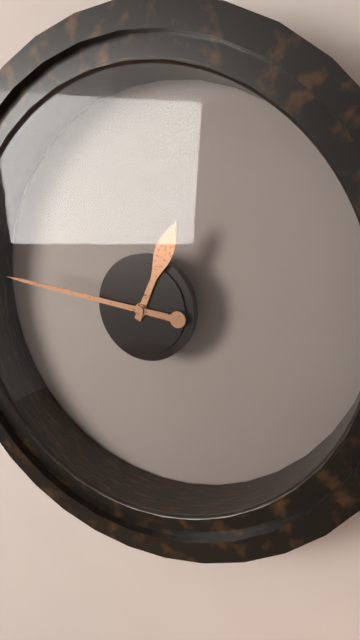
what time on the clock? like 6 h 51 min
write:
12 h 46 min
